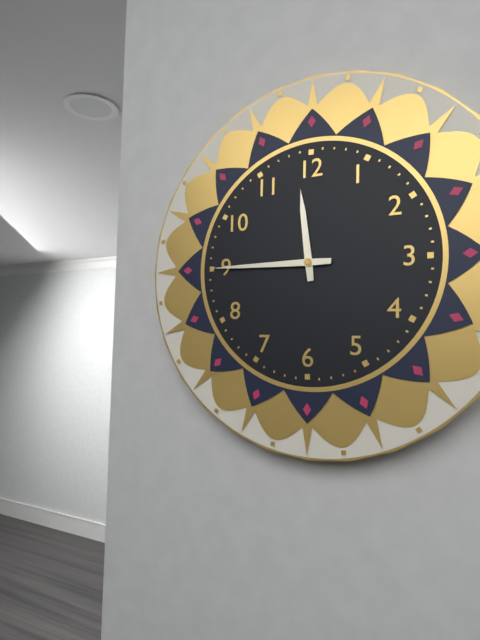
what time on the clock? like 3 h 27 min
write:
11 h 45 min
